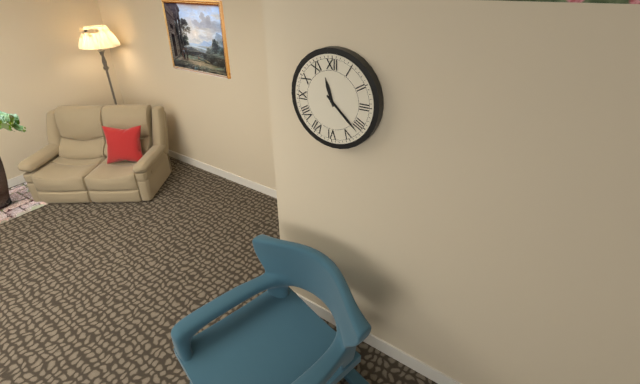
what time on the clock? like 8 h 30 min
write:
11 h 22 min
